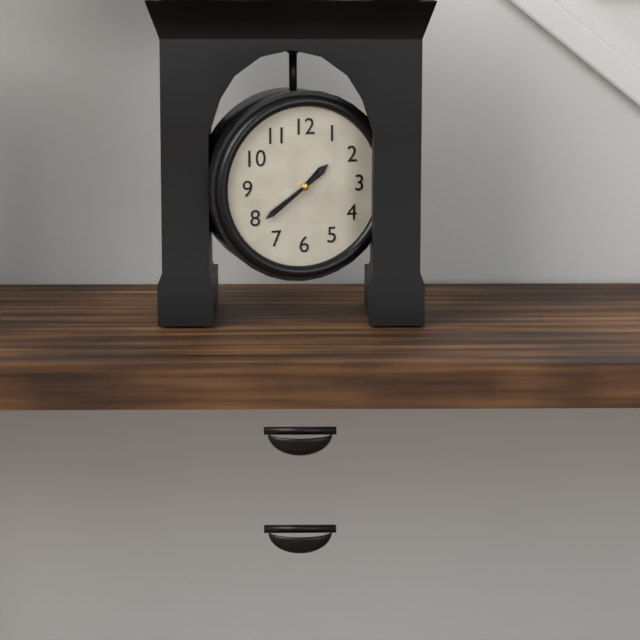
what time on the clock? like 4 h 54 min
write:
1 h 39 min
